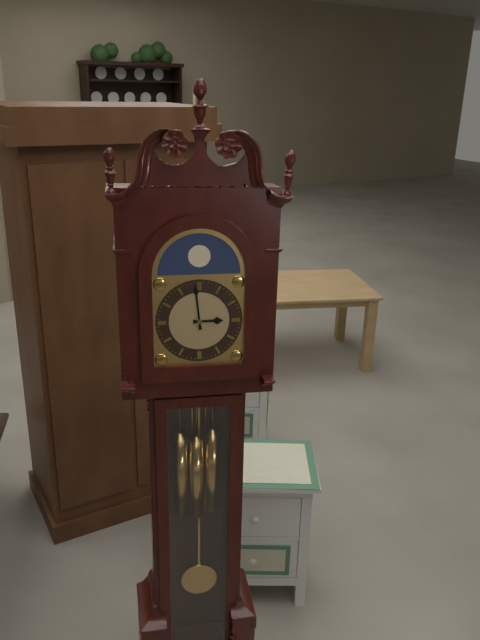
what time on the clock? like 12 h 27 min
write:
2 h 59 min
